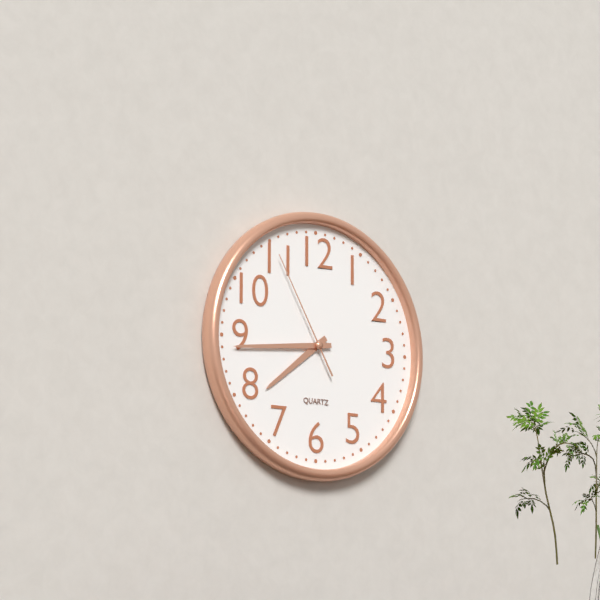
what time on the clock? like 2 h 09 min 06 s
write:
7 h 44 min 55 s
